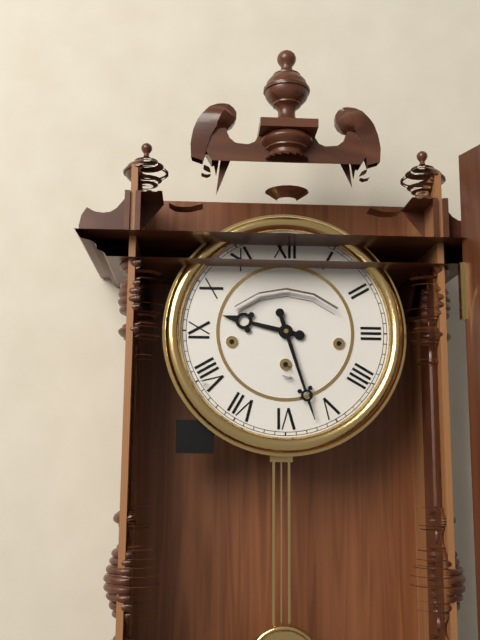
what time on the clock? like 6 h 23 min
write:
9 h 27 min
